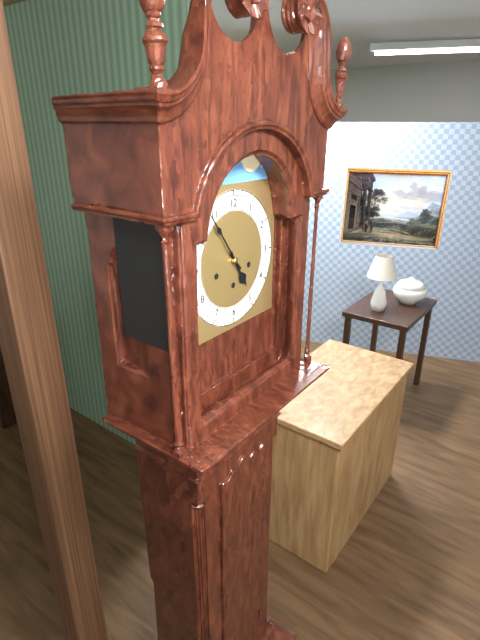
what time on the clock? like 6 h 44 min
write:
4 h 54 min
